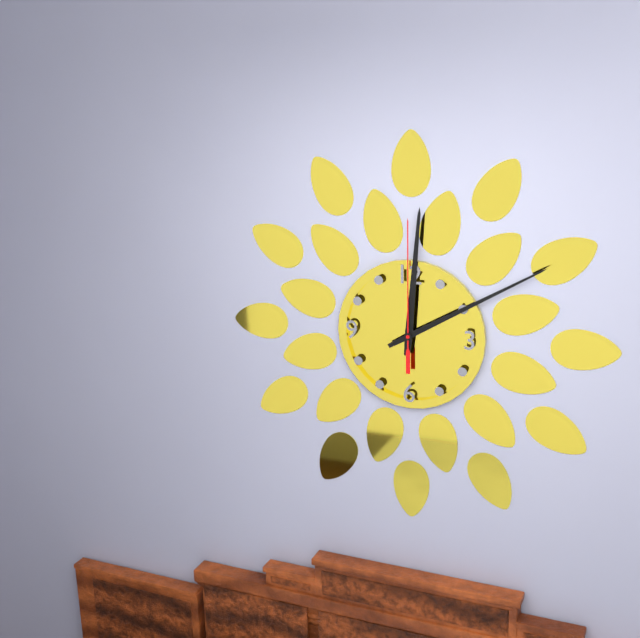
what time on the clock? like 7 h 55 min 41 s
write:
12 h 10 min 00 s
